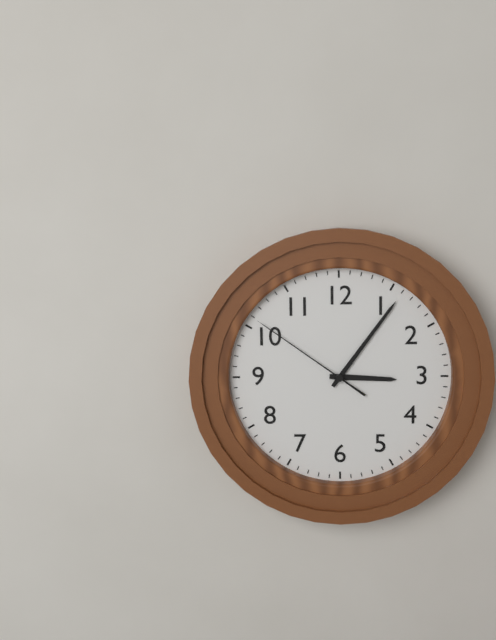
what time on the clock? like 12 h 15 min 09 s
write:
3 h 06 min 51 s
